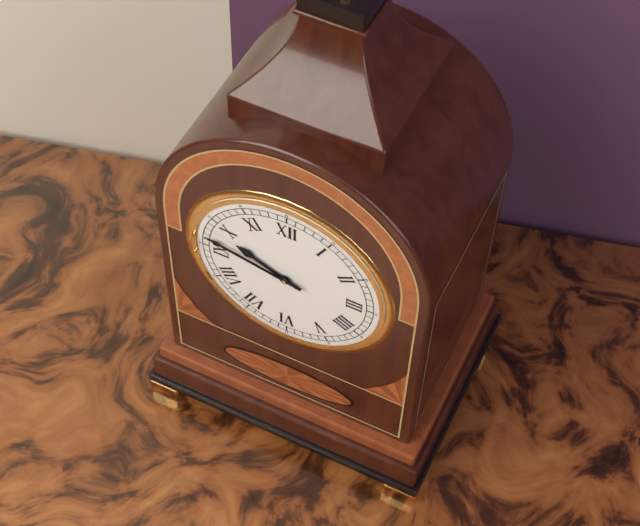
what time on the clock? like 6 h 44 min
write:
9 h 47 min
